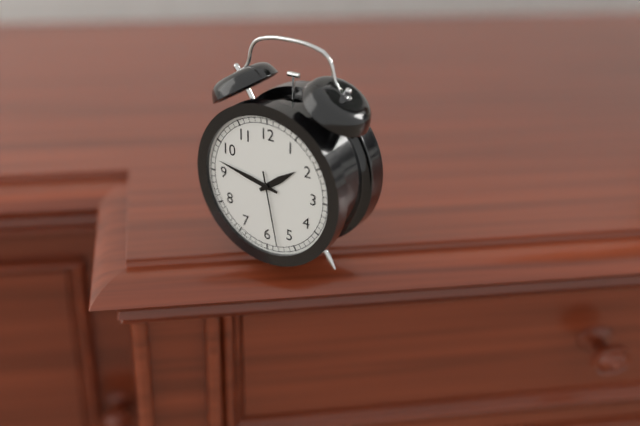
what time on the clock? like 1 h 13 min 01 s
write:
1 h 47 min 28 s
